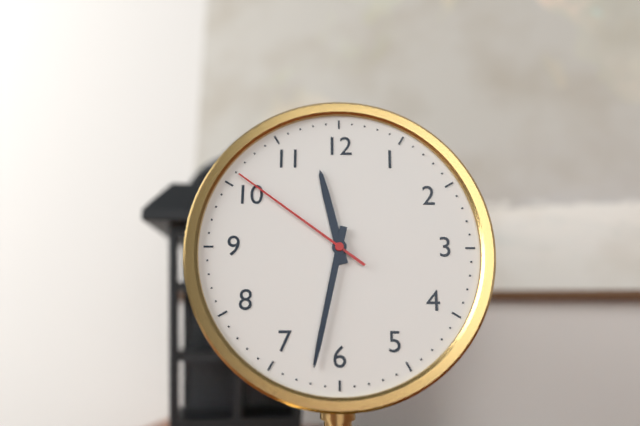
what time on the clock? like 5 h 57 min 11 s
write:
11 h 32 min 51 s
